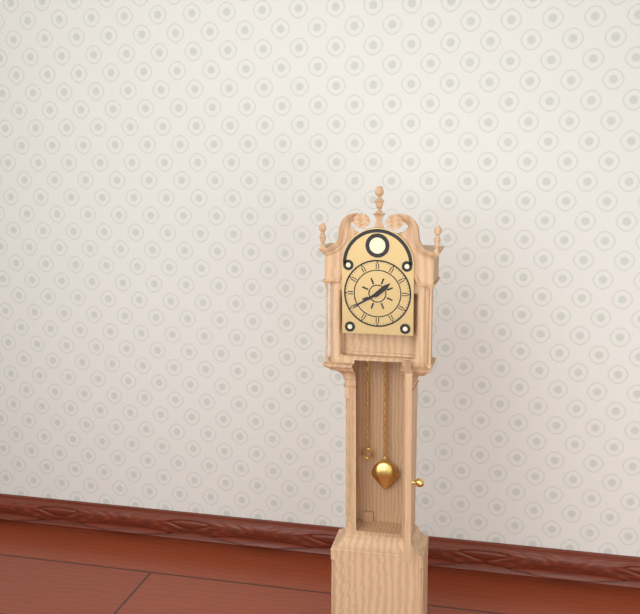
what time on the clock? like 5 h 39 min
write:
1 h 40 min
